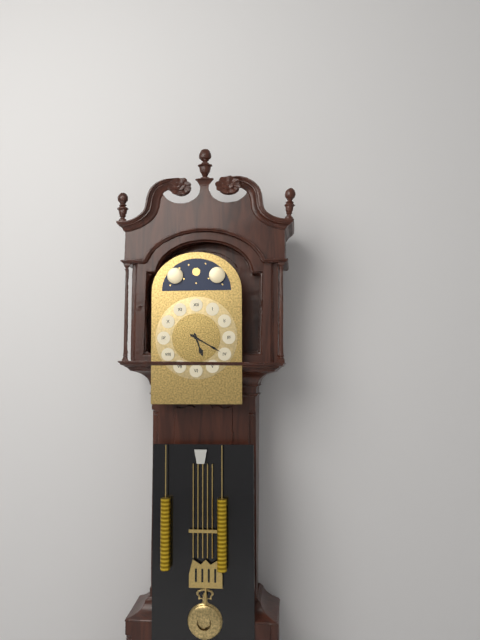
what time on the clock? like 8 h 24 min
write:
5 h 20 min
